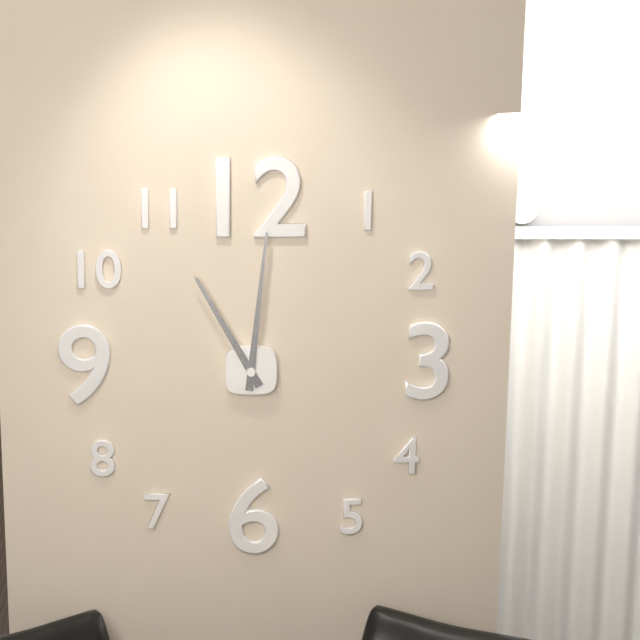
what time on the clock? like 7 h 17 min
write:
11 h 01 min
